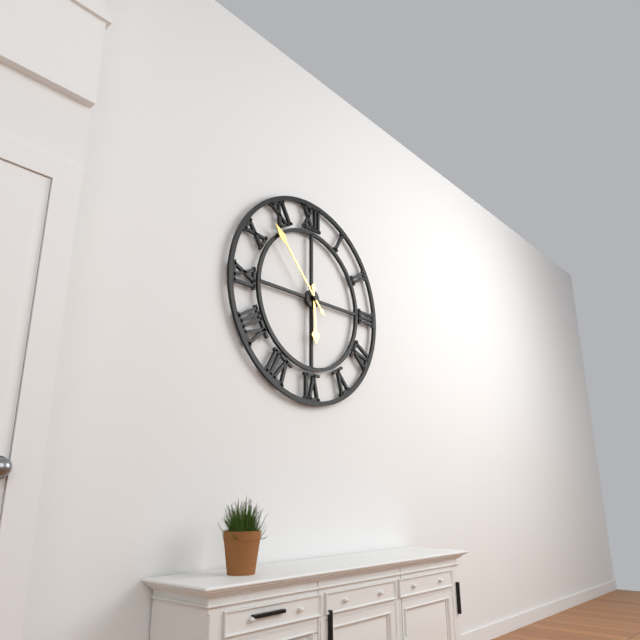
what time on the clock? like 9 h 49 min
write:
5 h 53 min
